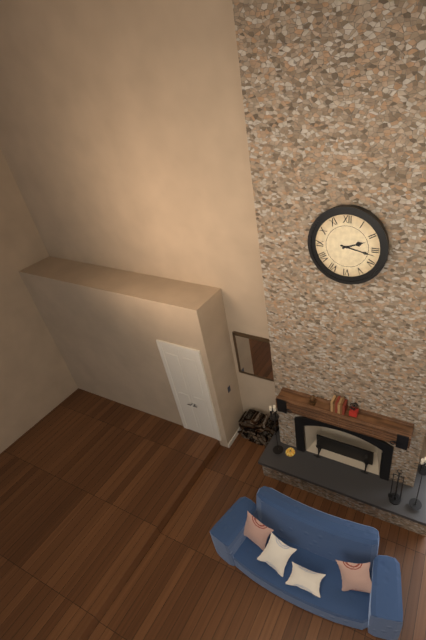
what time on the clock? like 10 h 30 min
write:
2 h 17 min
